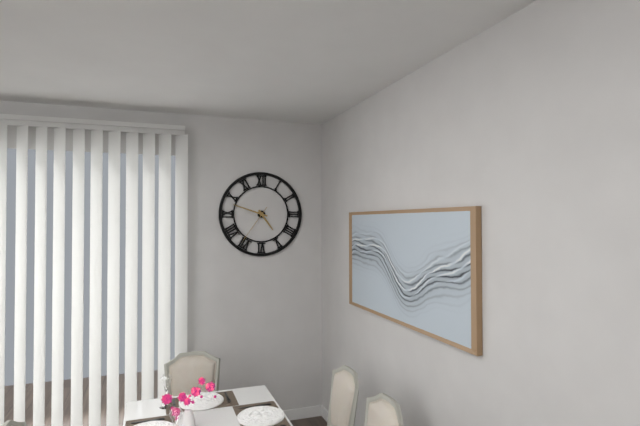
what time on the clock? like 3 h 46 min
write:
4 h 48 min
